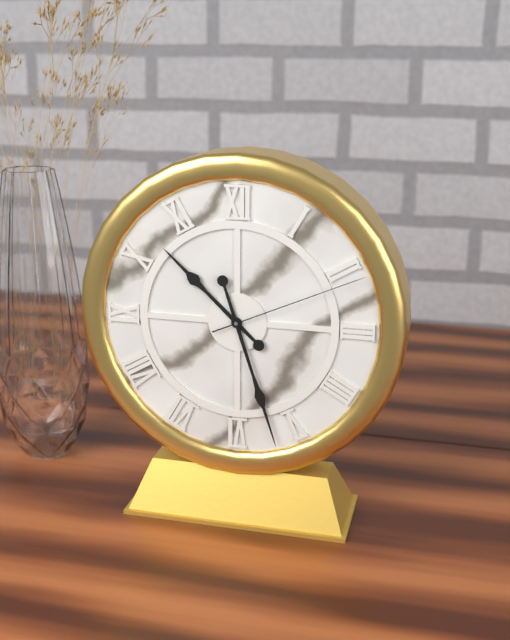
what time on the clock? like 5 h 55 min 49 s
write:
10 h 27 min 11 s
